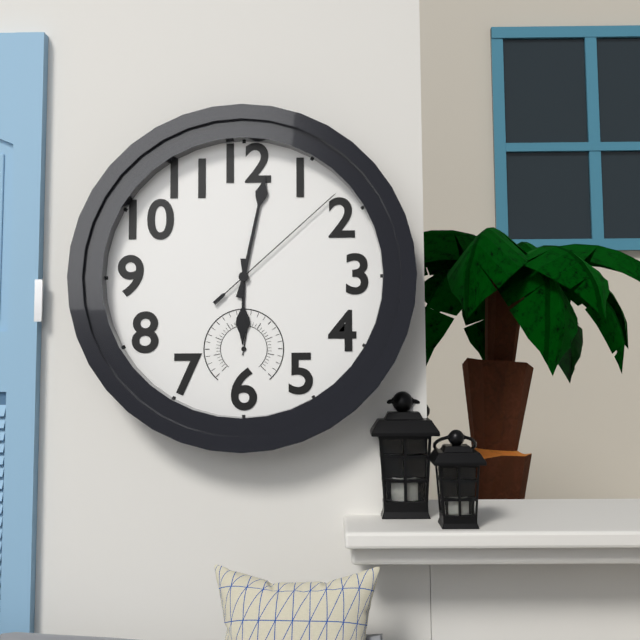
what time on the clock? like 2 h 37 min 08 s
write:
6 h 02 min 08 s
